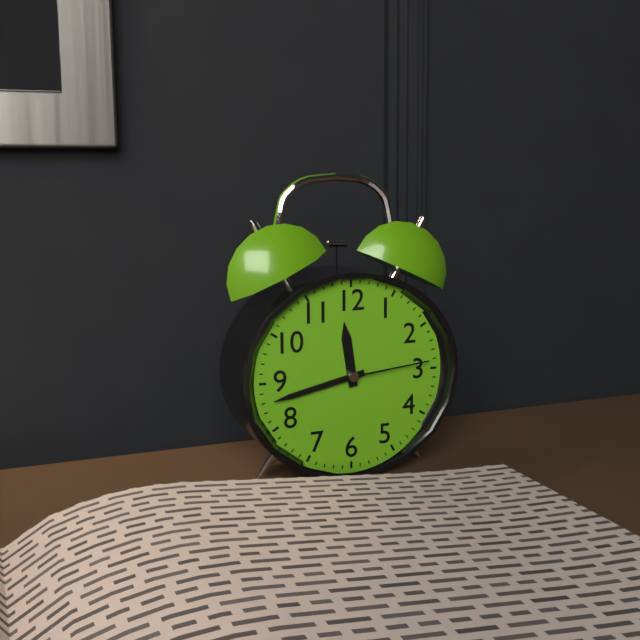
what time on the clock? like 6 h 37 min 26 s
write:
11 h 43 min 14 s
